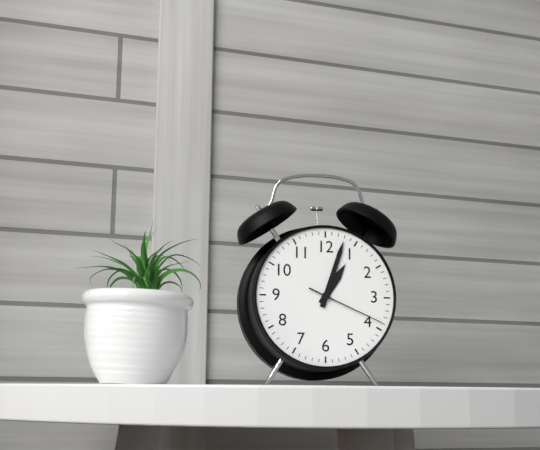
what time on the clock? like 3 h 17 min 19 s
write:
1 h 03 min 19 s
